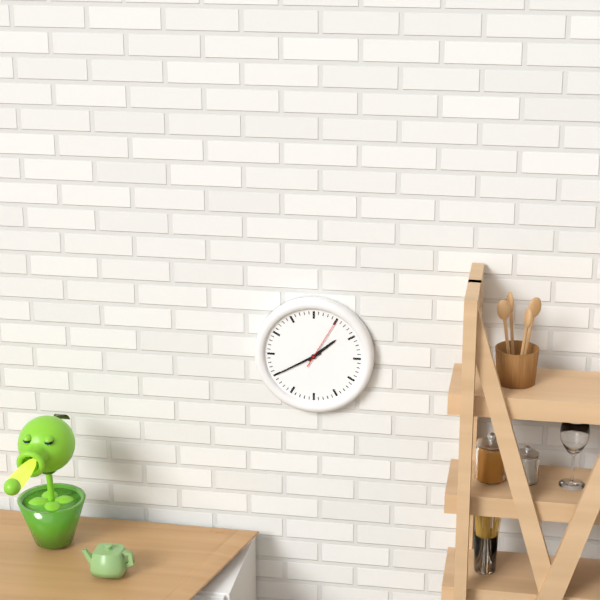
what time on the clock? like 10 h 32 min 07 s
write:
1 h 40 min 05 s
